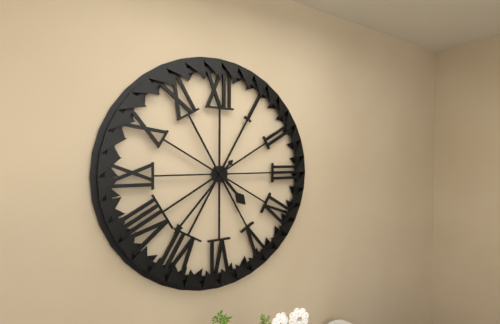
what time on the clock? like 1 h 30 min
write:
4 h 37 min
